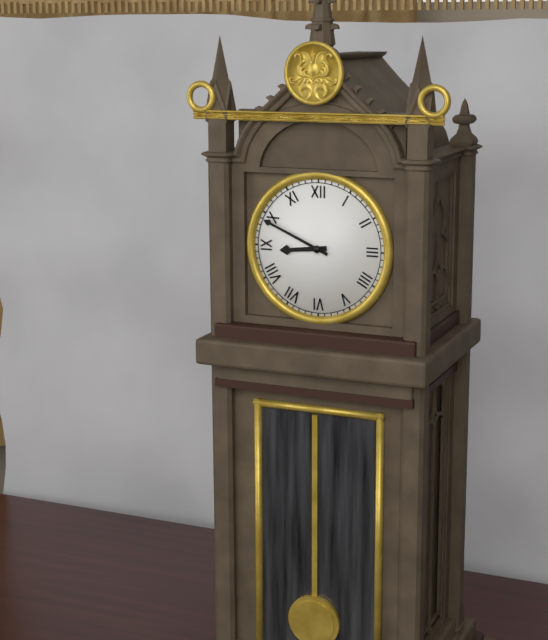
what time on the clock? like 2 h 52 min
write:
8 h 49 min
